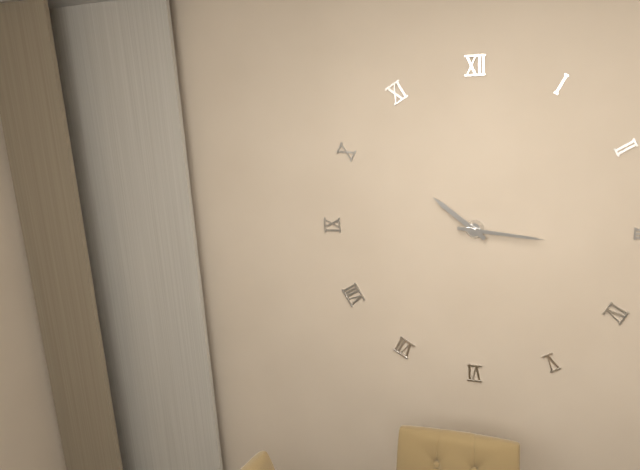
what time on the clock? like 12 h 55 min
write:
10 h 16 min
